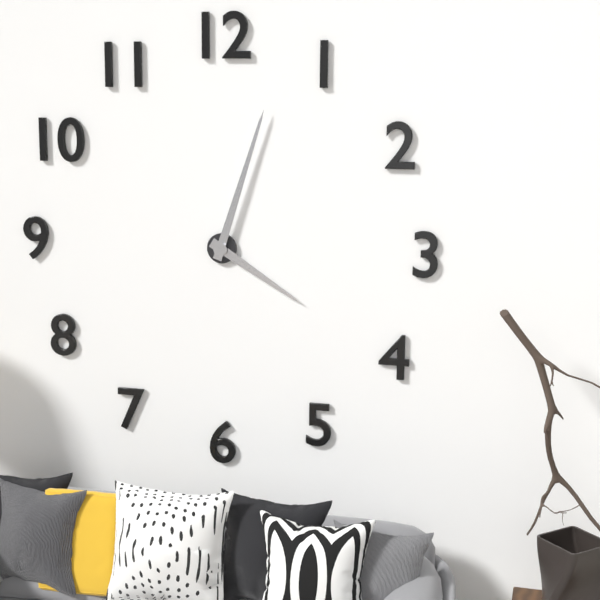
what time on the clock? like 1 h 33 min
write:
4 h 03 min
